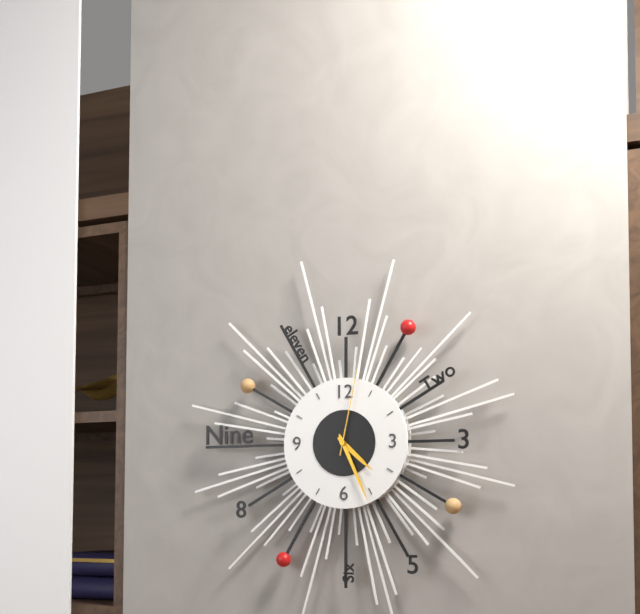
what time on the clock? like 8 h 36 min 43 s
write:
4 h 26 min 02 s
